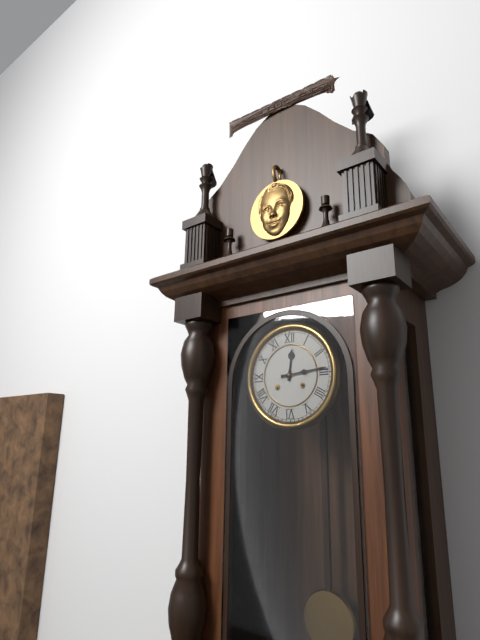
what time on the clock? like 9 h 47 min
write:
12 h 14 min
